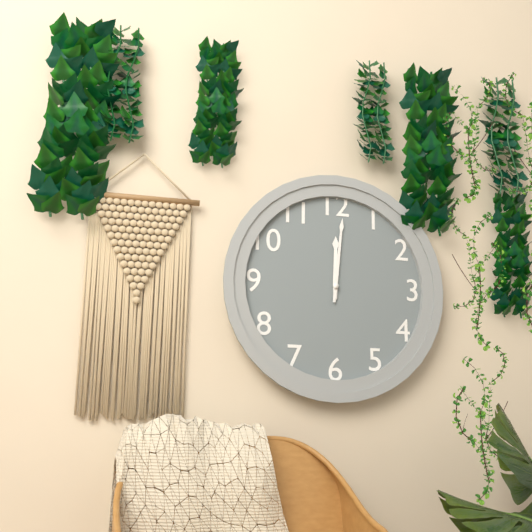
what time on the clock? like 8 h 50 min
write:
12 h 01 min
